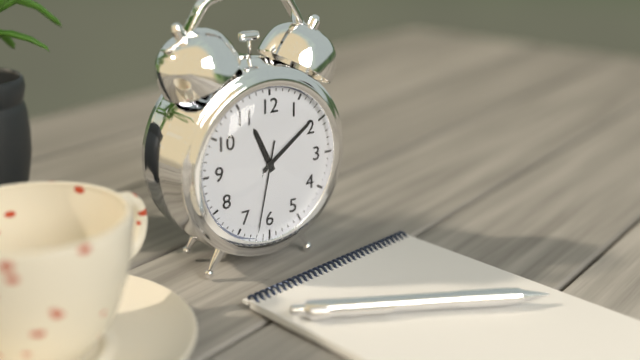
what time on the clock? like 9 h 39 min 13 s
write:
11 h 09 min 32 s
